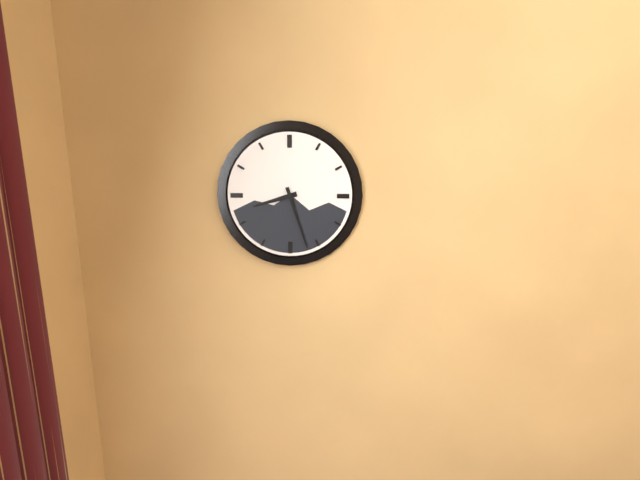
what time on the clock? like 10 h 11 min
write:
8 h 27 min
